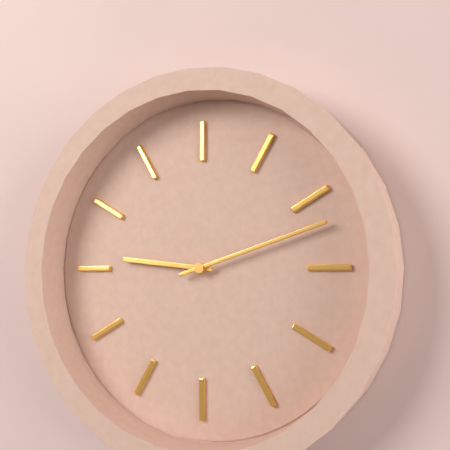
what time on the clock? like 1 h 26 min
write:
9 h 12 min
